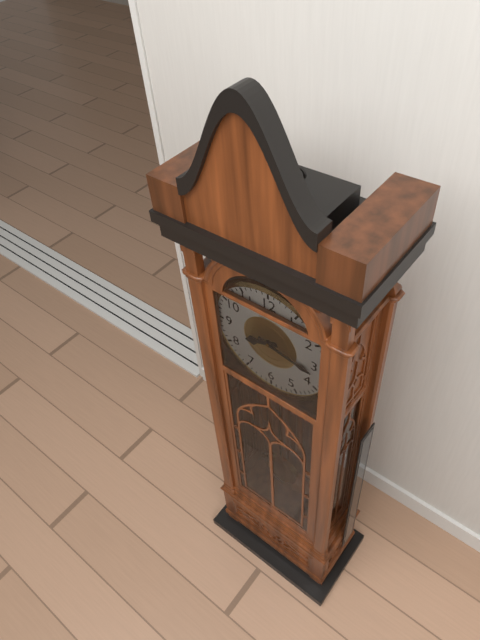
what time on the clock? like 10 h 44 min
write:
8 h 17 min
